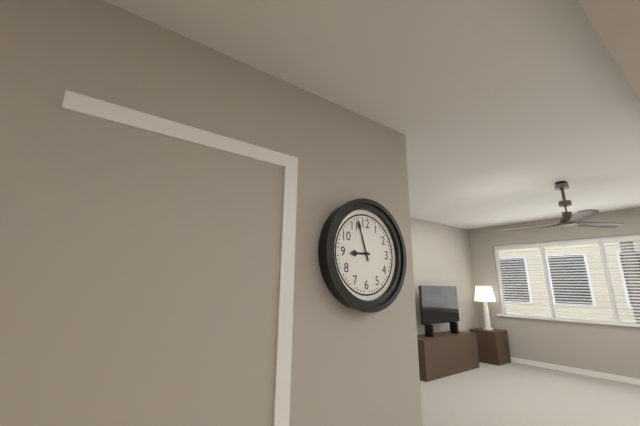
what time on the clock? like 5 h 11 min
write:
8 h 57 min
